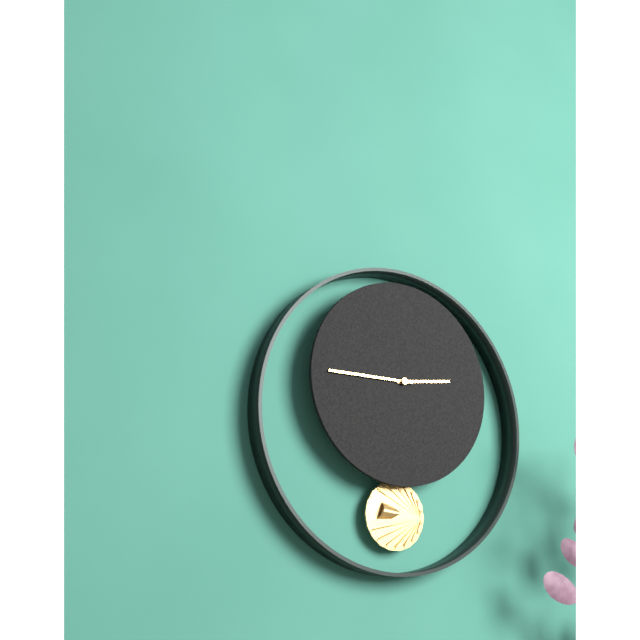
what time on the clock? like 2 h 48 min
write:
2 h 45 min
